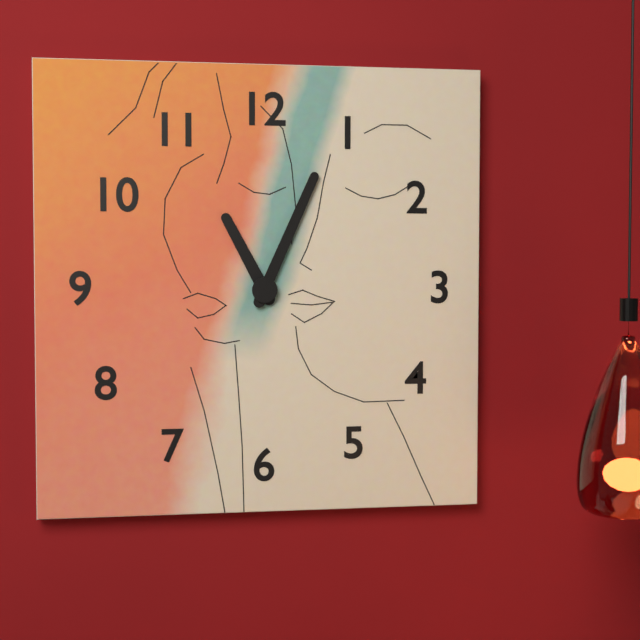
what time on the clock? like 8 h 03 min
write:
11 h 04 min
